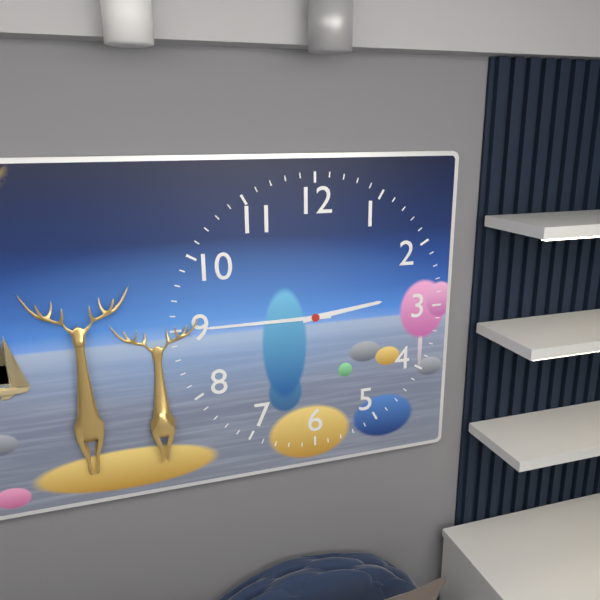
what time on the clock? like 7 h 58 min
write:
2 h 45 min
